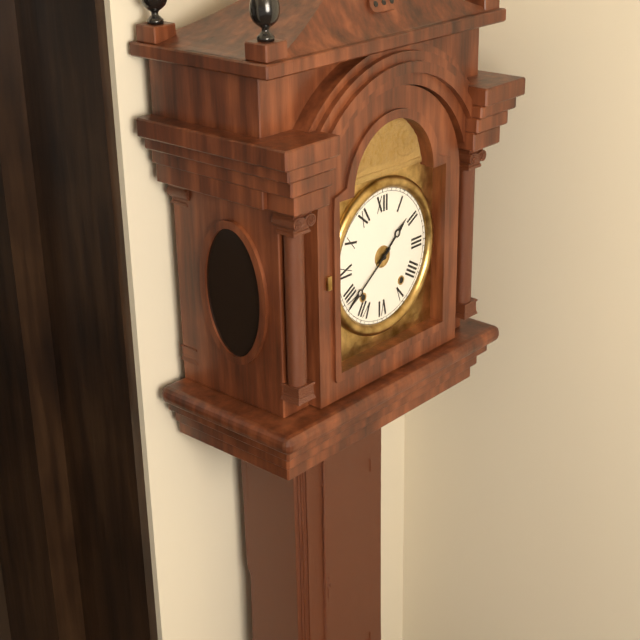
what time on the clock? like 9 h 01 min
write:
1 h 39 min
